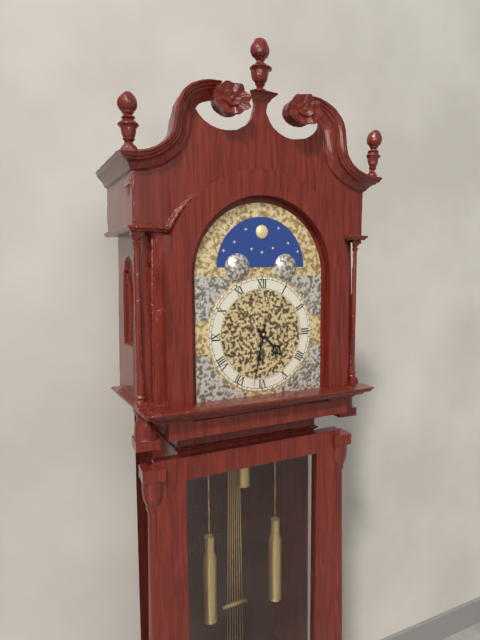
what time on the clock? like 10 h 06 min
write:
4 h 32 min
